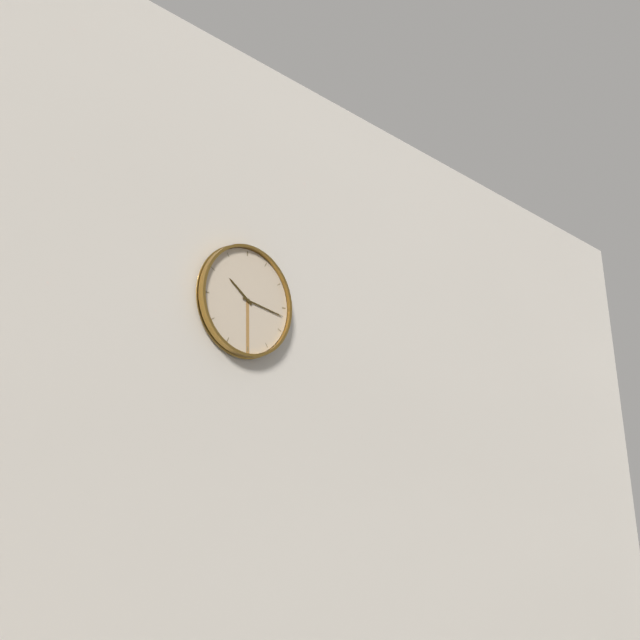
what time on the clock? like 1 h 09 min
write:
10 h 17 min
